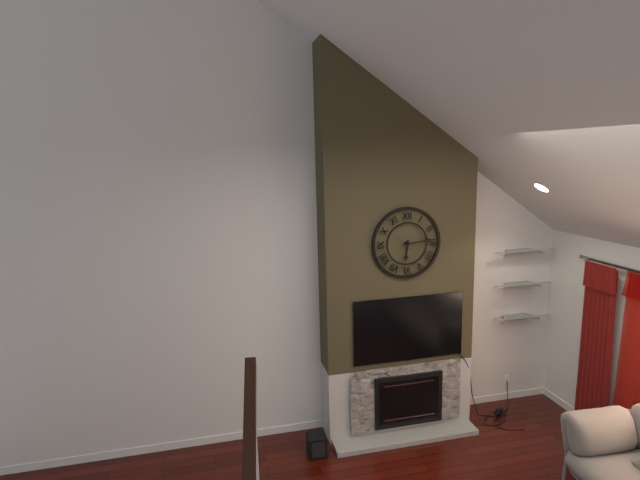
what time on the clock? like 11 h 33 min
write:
6 h 14 min
